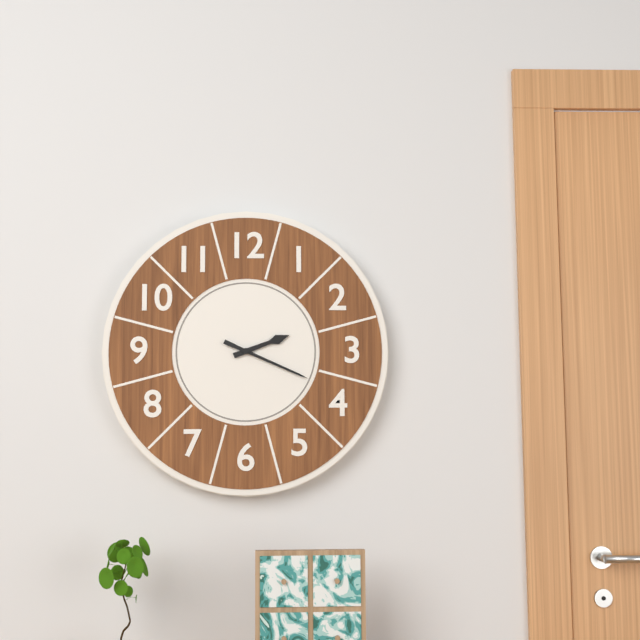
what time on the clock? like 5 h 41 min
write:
2 h 19 min
